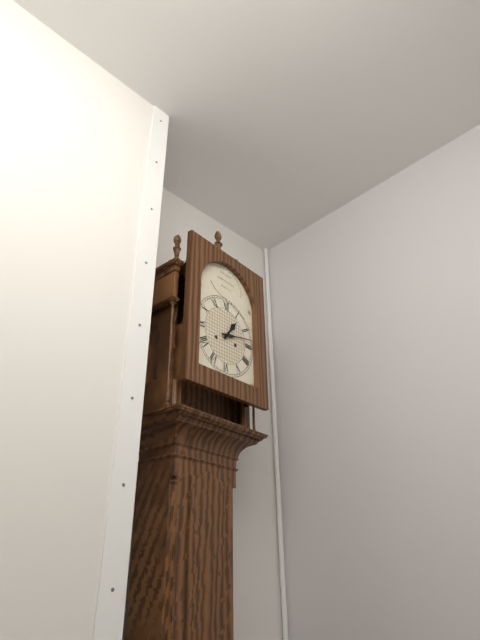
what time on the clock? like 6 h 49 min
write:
1 h 13 min
